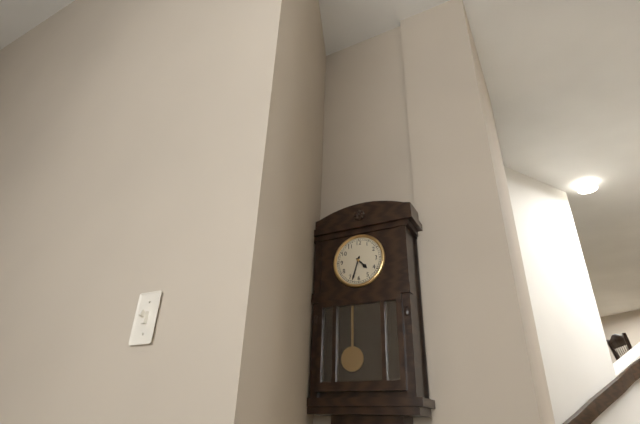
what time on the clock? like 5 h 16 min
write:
4 h 33 min
